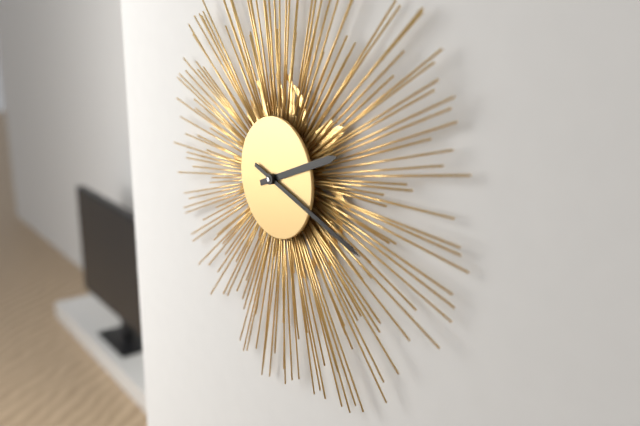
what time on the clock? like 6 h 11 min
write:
2 h 18 min
